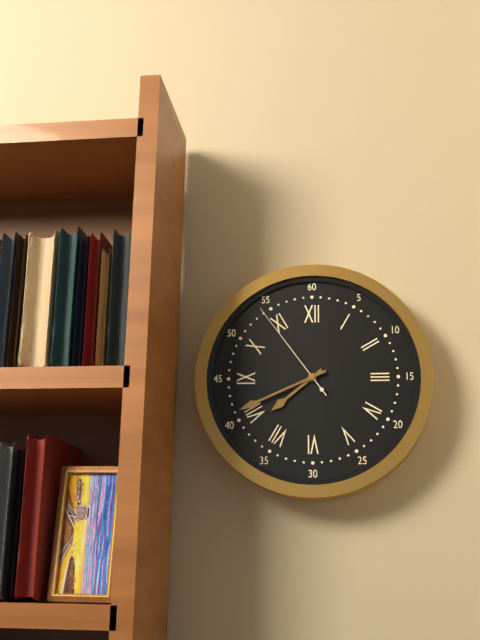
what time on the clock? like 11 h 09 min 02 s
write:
7 h 41 min 54 s
